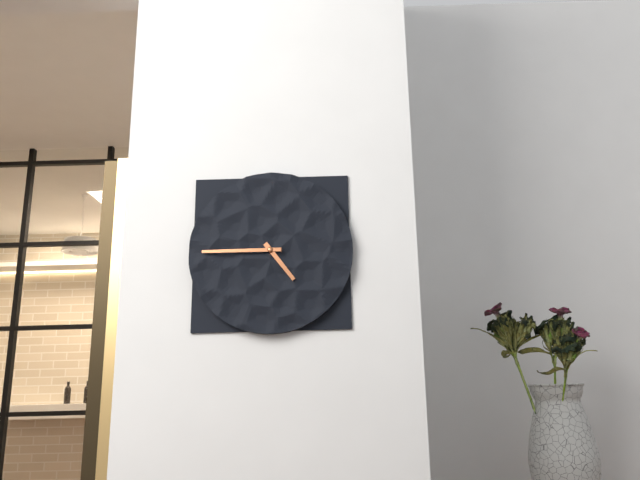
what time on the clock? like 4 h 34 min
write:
4 h 45 min
